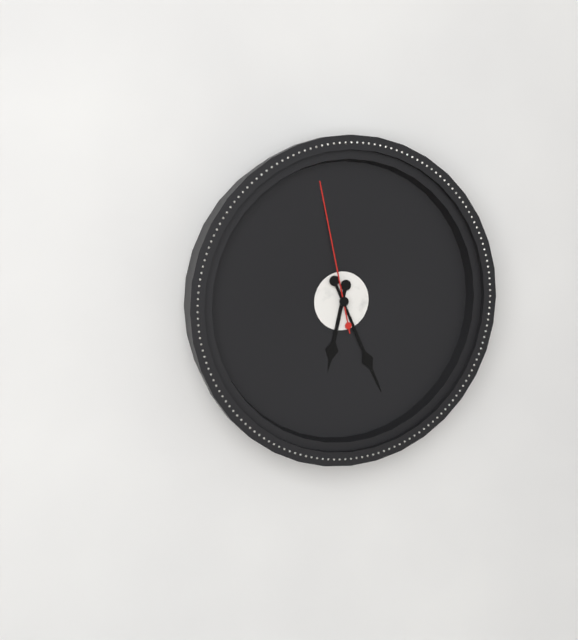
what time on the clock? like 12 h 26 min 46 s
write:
6 h 26 min 58 s
